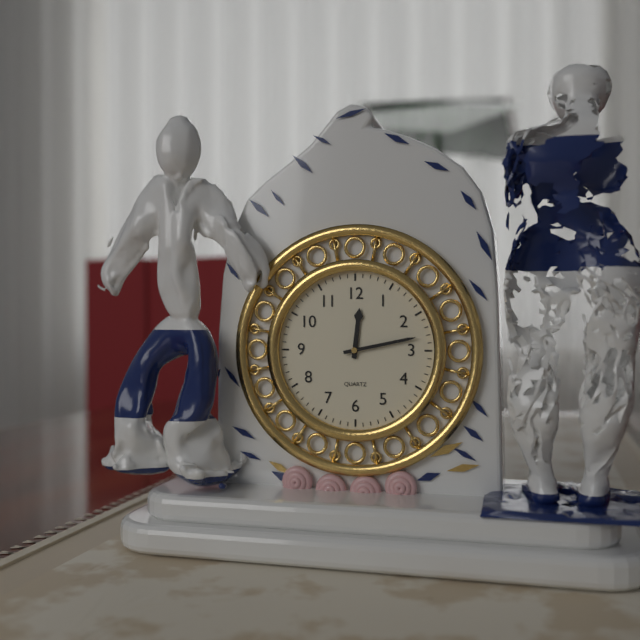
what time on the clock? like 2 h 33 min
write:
12 h 13 min
